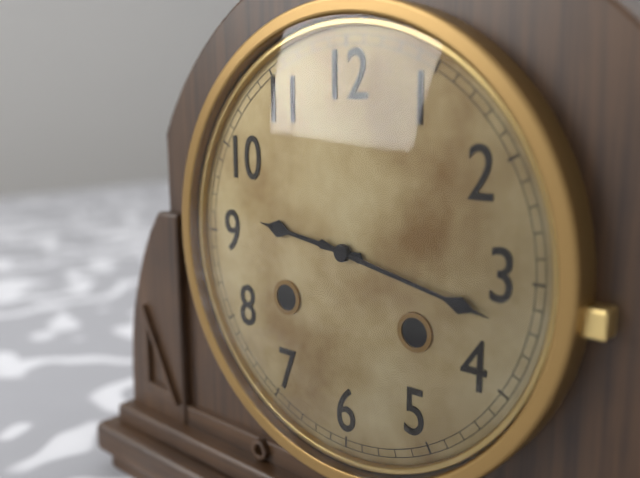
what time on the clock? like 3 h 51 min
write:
9 h 17 min
